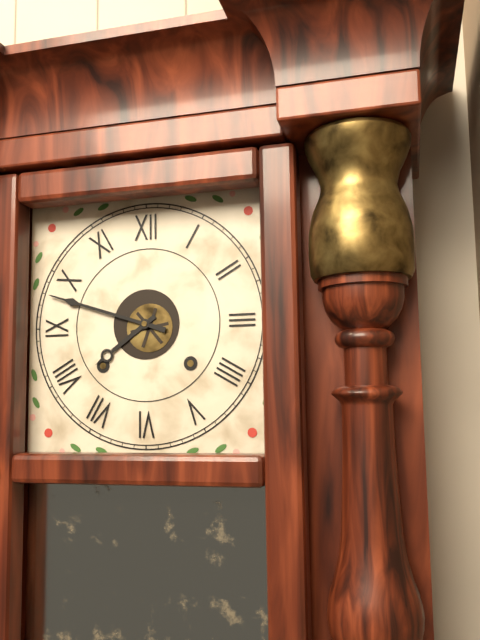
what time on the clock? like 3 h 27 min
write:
7 h 48 min
